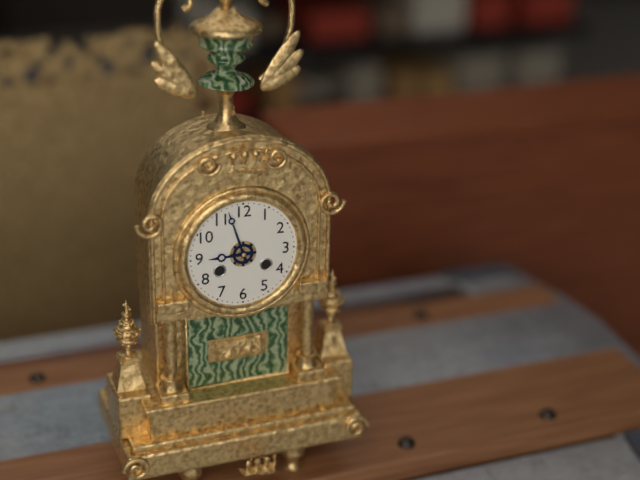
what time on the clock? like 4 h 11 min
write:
8 h 57 min
